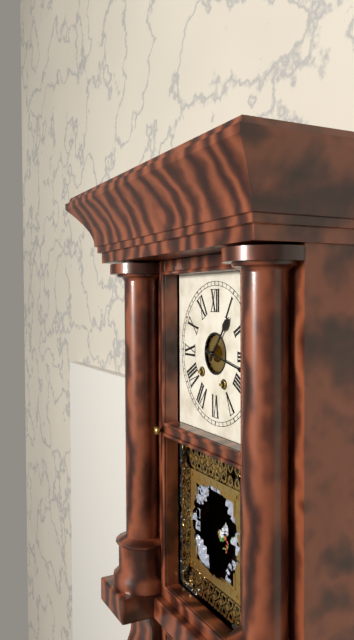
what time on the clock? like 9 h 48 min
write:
1 h 17 min
